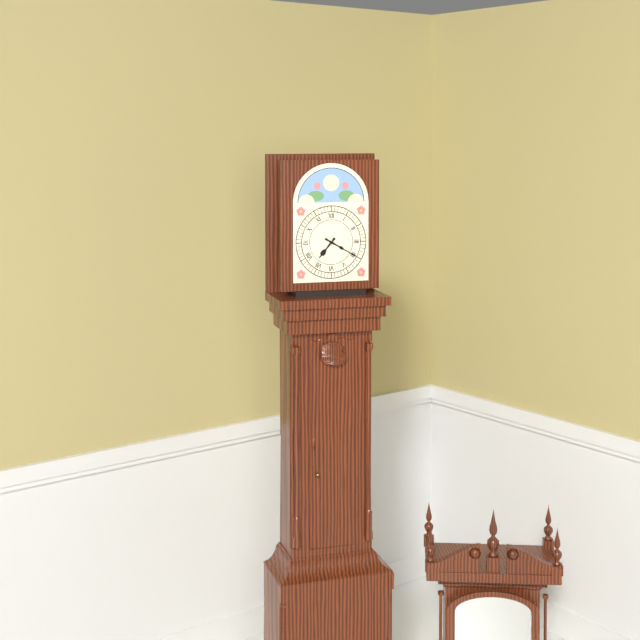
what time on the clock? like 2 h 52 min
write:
7 h 20 min
